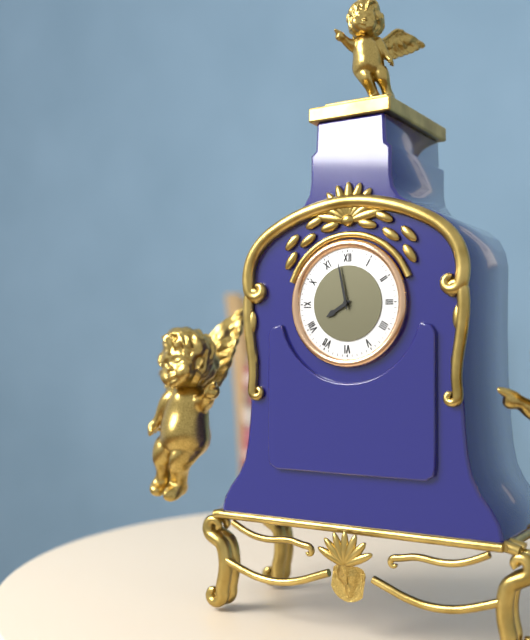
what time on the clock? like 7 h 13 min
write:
7 h 58 min
